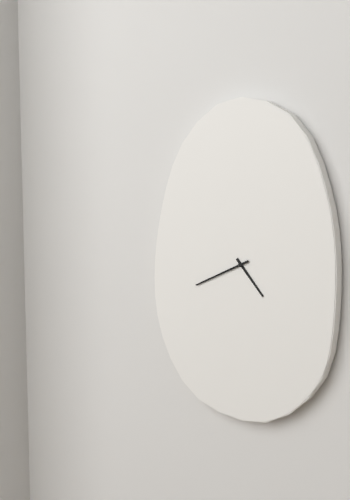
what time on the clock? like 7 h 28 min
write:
4 h 41 min
